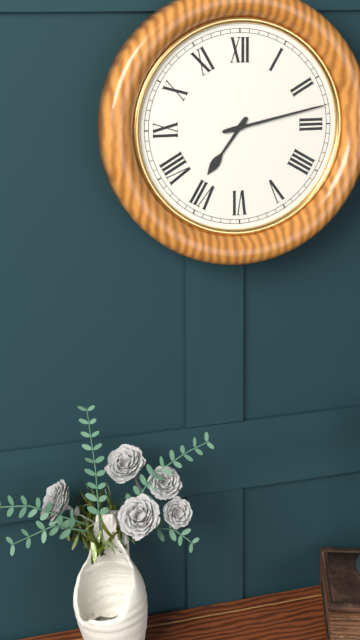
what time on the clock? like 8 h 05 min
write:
7 h 13 min
